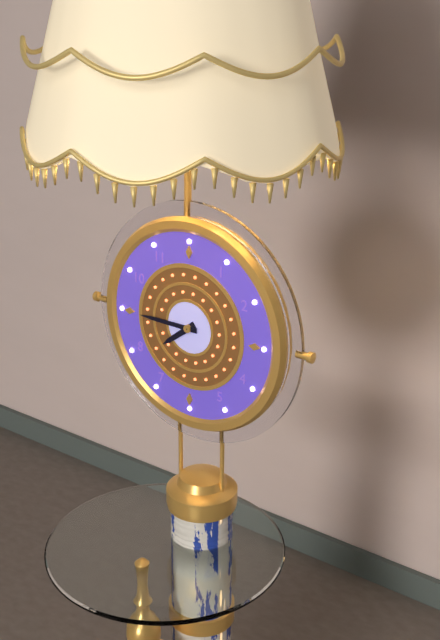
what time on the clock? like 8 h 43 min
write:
7 h 45 min
